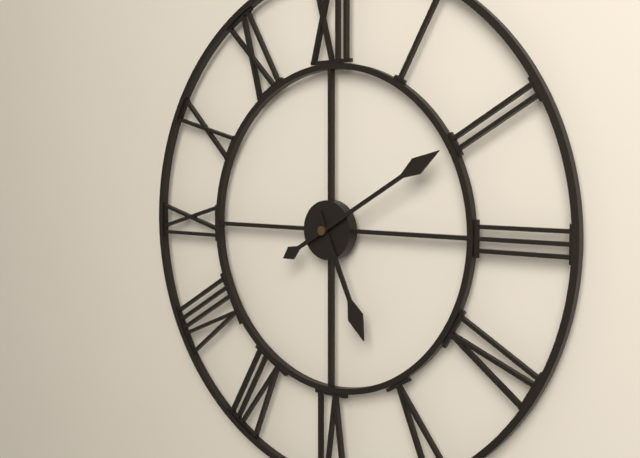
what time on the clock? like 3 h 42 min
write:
5 h 10 min
